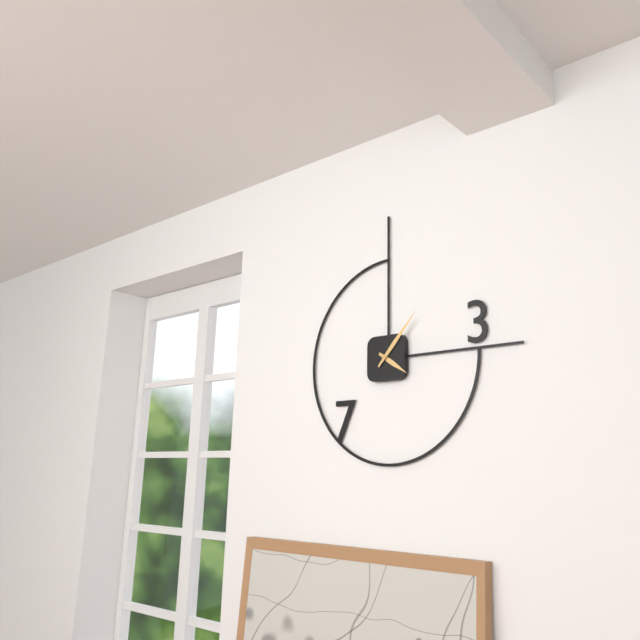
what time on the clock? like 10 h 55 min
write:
4 h 07 min
